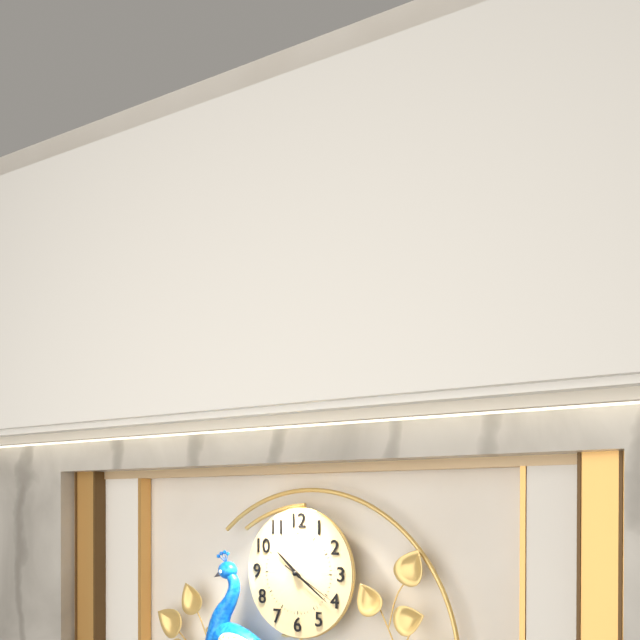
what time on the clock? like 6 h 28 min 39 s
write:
10 h 21 min 20 s
